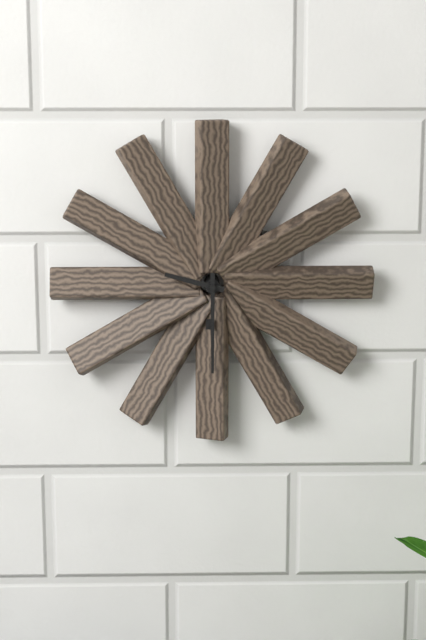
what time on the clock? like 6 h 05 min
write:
9 h 30 min
